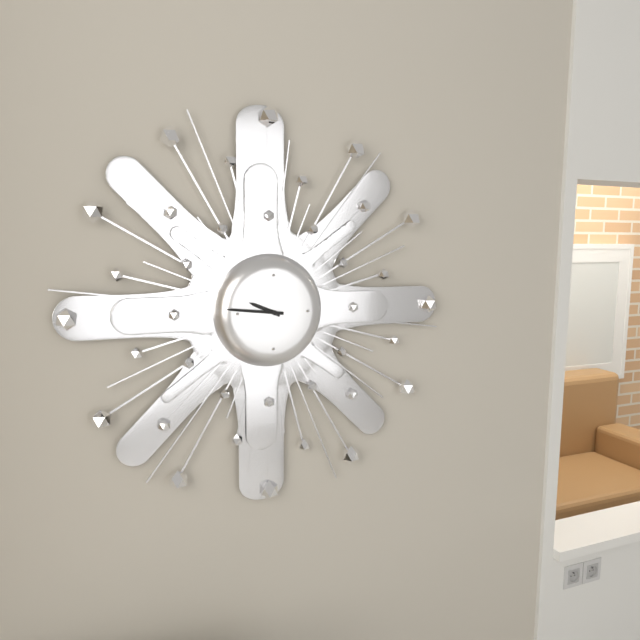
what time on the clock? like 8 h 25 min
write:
9 h 46 min
